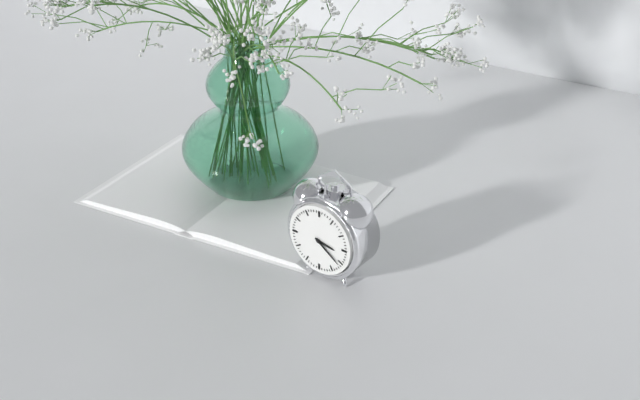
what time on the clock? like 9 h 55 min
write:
3 h 21 min
